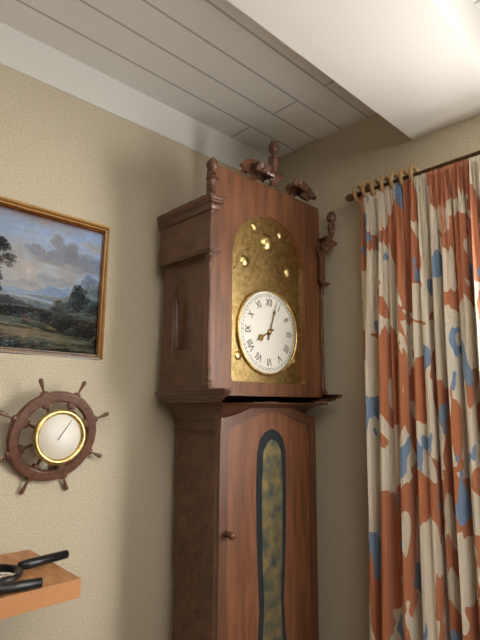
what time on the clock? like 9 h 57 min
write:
8 h 03 min
